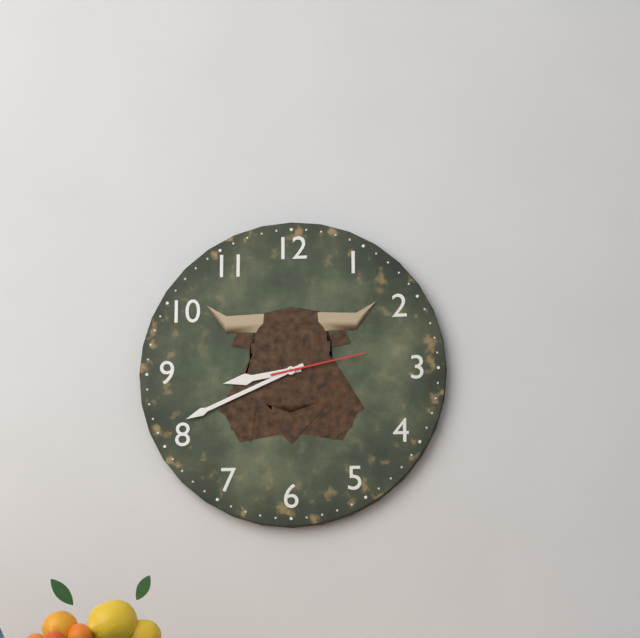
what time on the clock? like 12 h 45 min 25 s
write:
8 h 41 min 13 s
